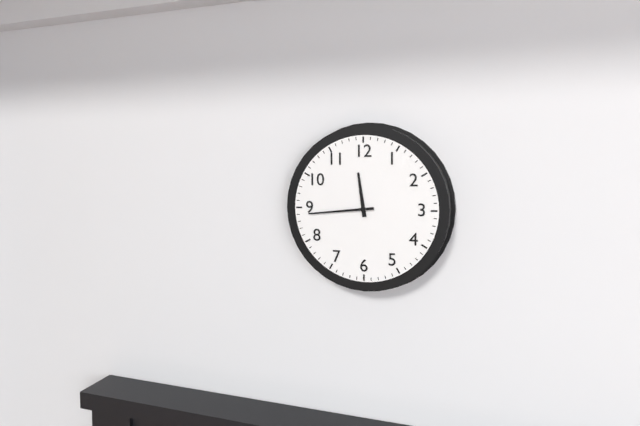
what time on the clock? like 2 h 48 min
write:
11 h 44 min
